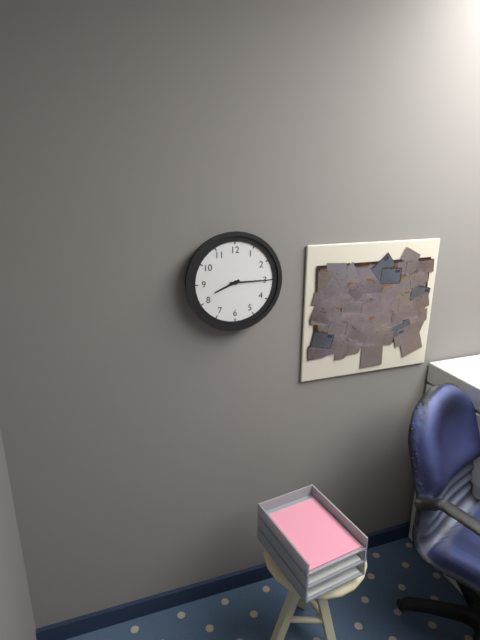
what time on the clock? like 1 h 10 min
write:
8 h 15 min
